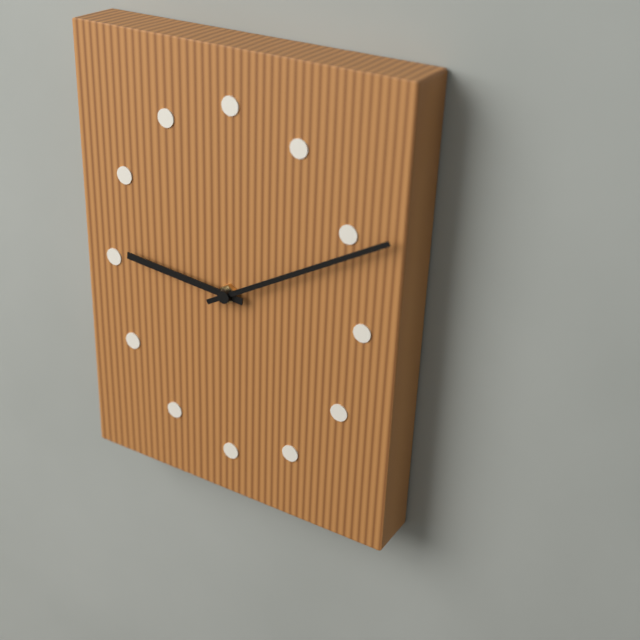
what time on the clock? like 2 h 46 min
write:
9 h 10 min
